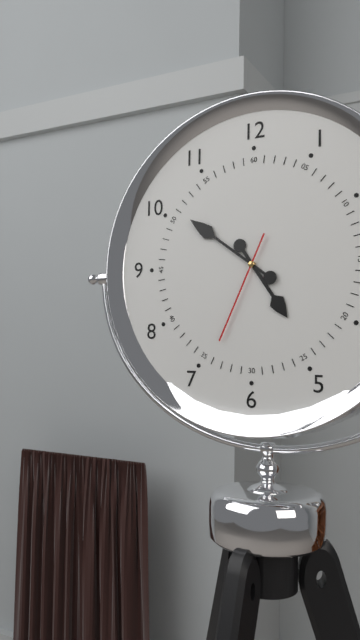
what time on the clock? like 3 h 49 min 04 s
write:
4 h 51 min 34 s
